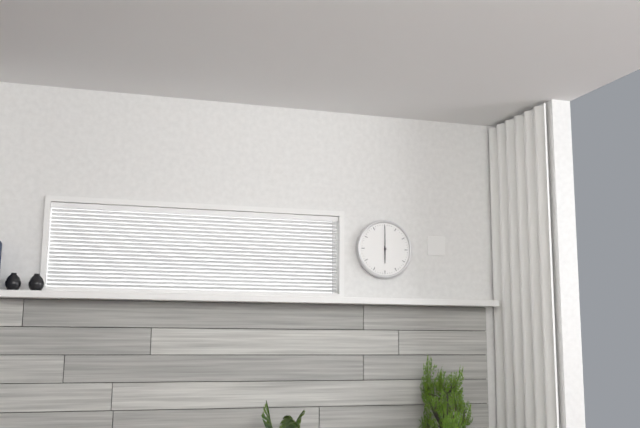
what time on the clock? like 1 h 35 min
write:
6 h 00 min
